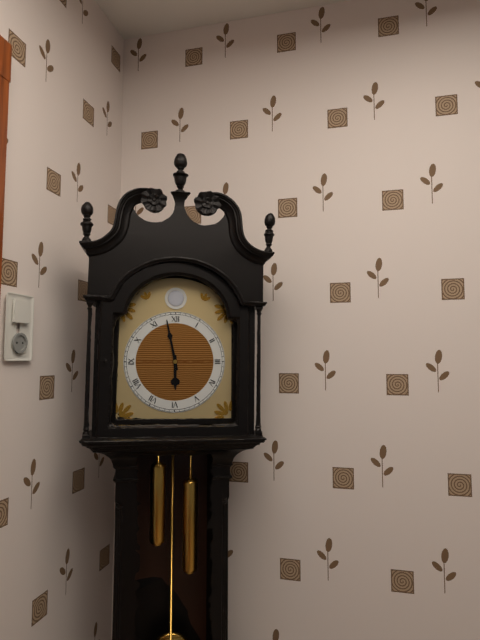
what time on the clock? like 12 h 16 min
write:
5 h 58 min
